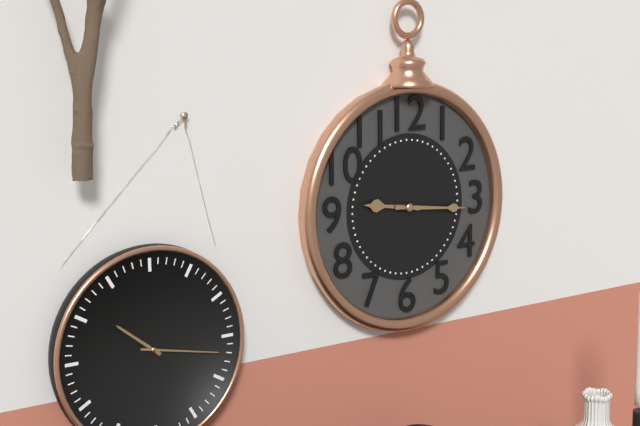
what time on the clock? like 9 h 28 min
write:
9 h 16 min
